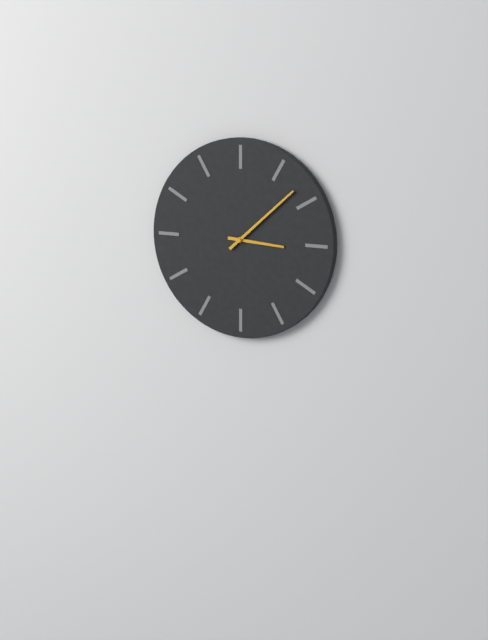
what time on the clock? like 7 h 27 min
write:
3 h 08 min
